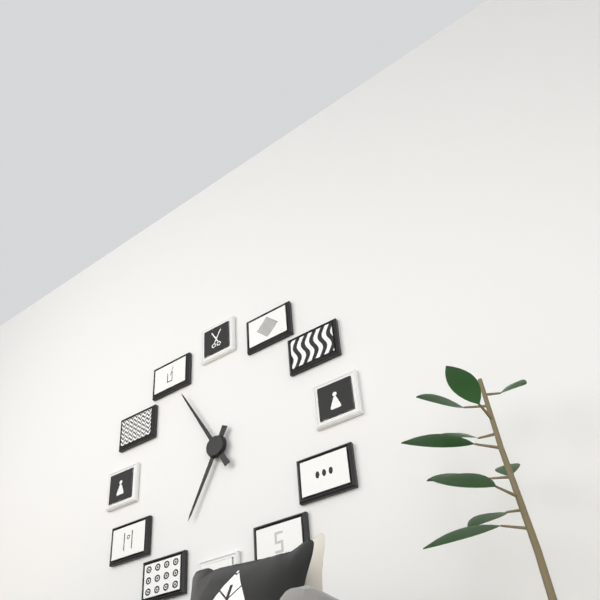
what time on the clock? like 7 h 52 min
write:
6 h 55 min
